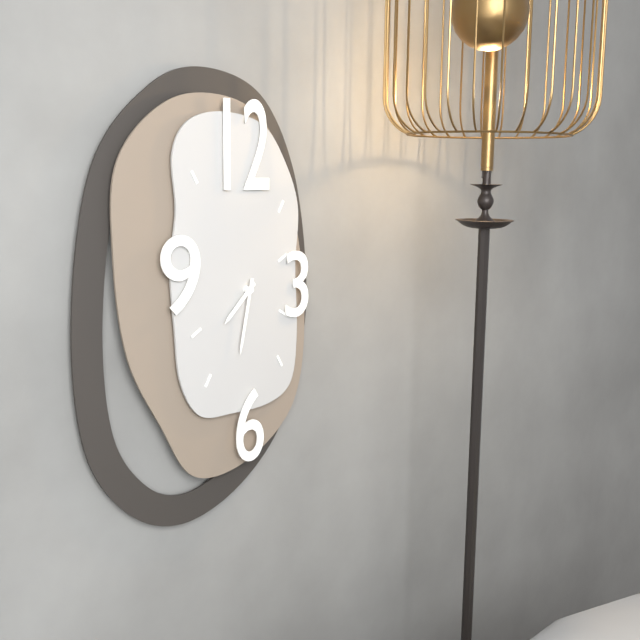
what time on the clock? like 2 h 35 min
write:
7 h 32 min
